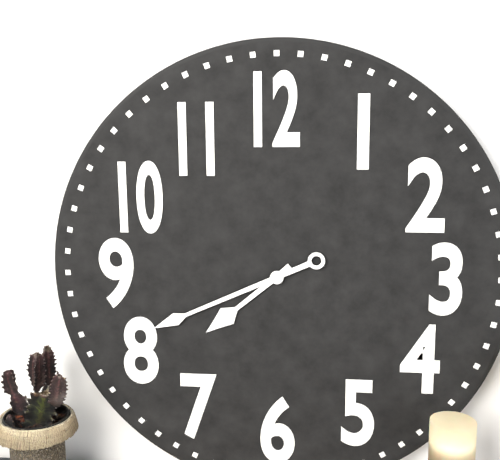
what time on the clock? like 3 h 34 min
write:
7 h 41 min
